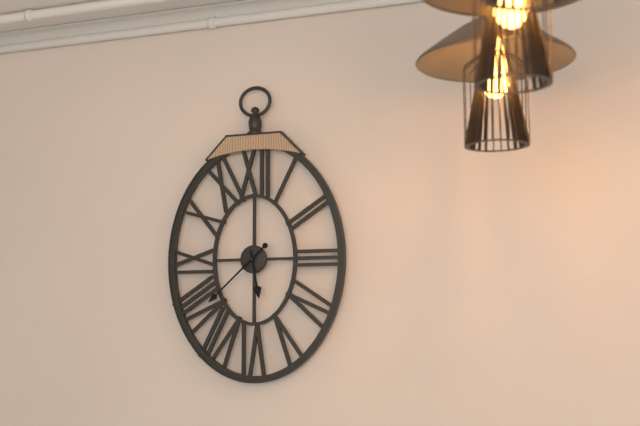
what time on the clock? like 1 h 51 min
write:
5 h 38 min
